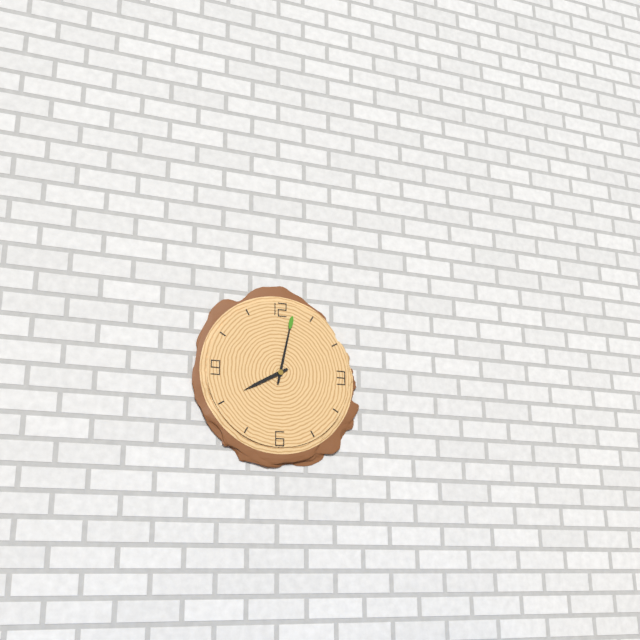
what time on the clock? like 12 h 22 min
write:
8 h 02 min
